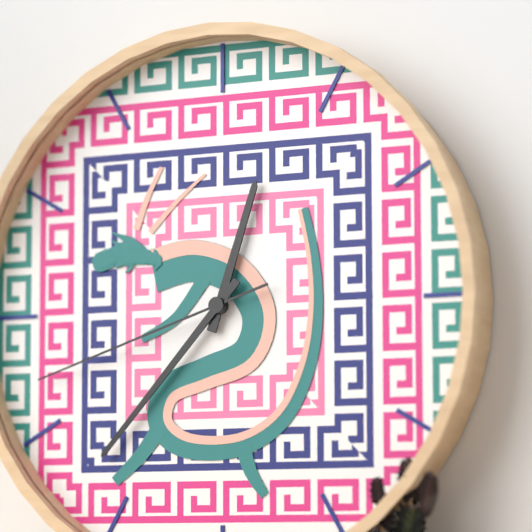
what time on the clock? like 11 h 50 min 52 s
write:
12 h 37 min 42 s
